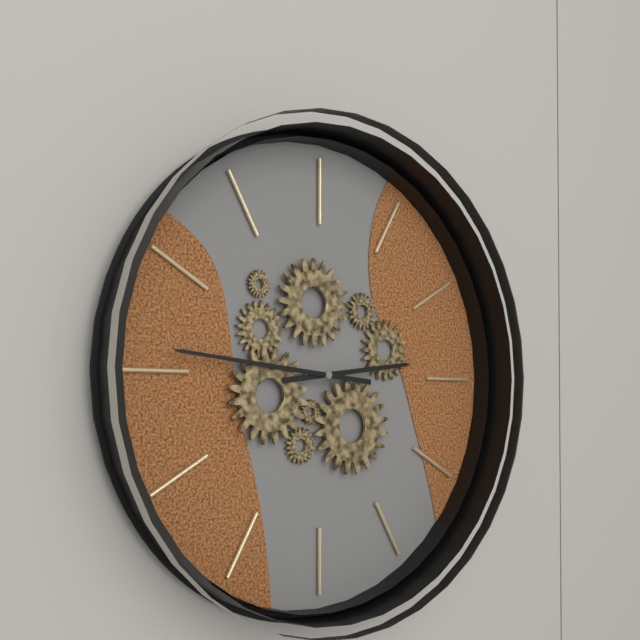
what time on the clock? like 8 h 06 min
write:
2 h 46 min
